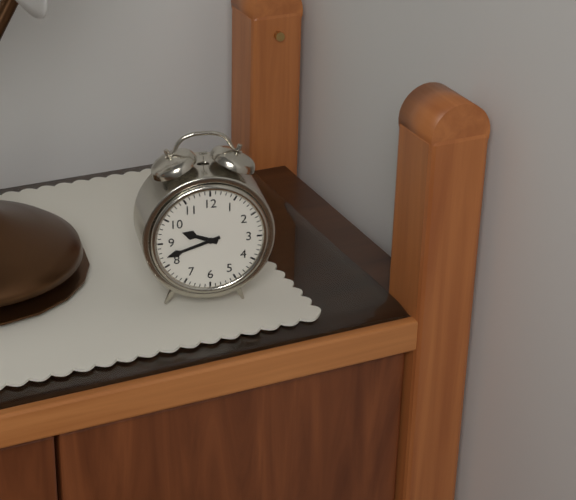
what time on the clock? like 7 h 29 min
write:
9 h 42 min
